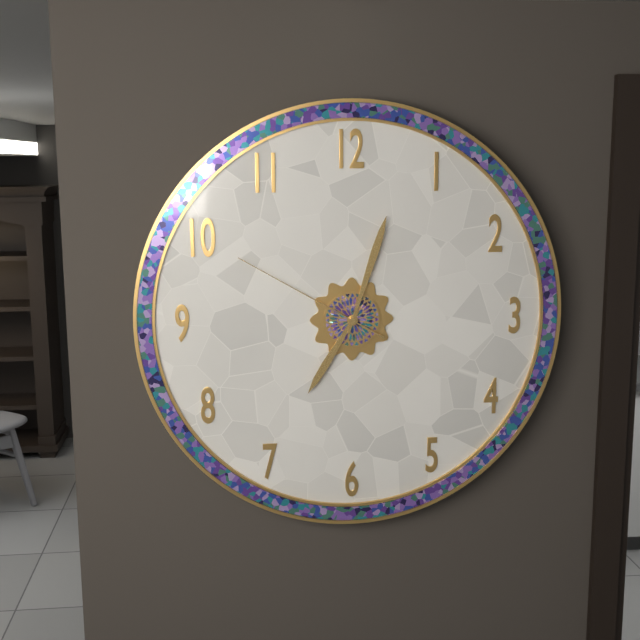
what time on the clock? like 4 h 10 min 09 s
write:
7 h 03 min 50 s
